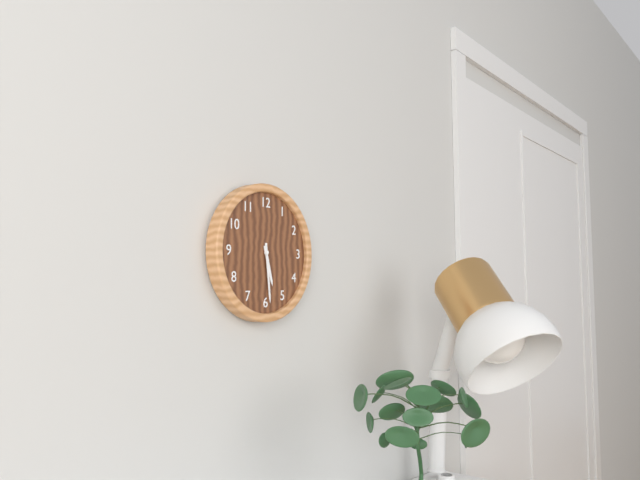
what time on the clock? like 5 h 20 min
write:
5 h 29 min
